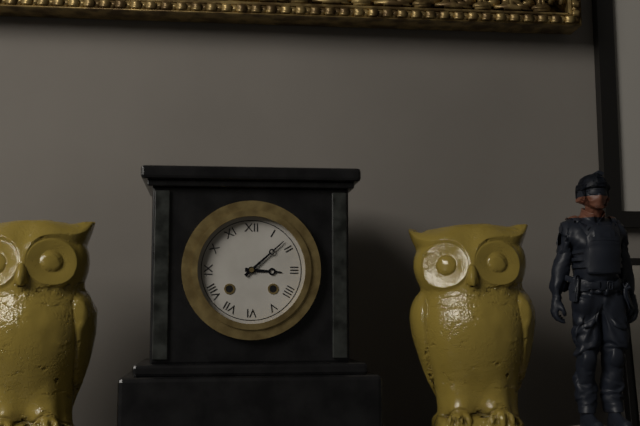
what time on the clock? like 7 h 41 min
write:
3 h 08 min
